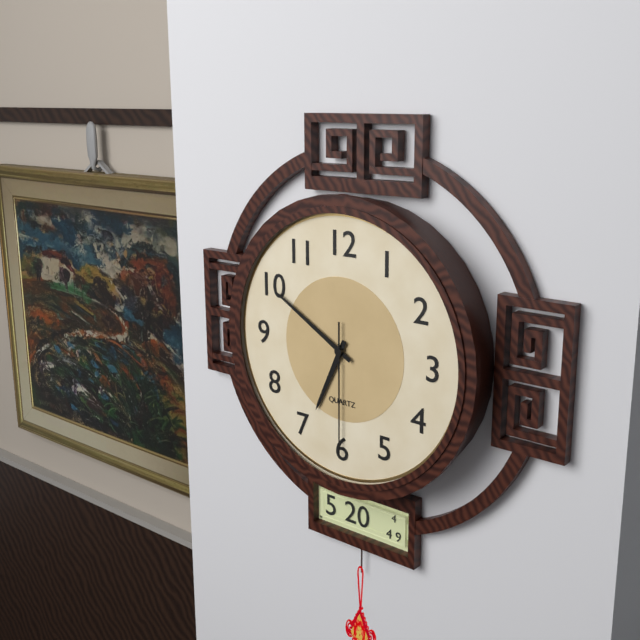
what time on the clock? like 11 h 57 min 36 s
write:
6 h 50 min 30 s
